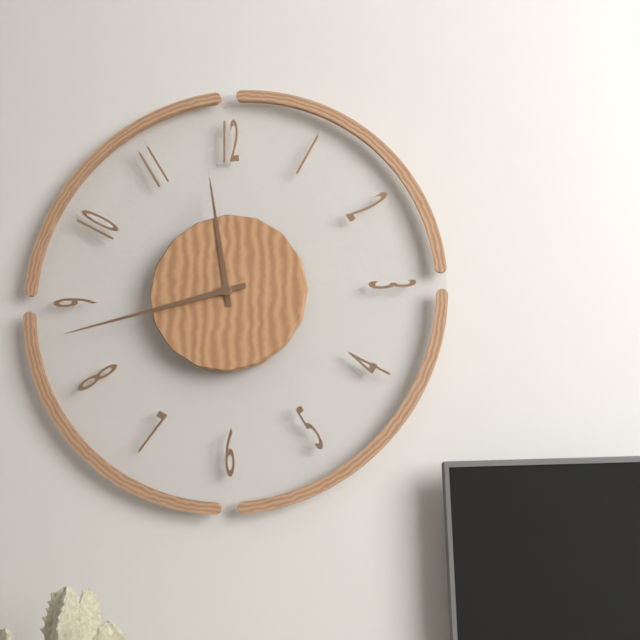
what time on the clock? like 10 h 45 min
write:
11 h 43 min
